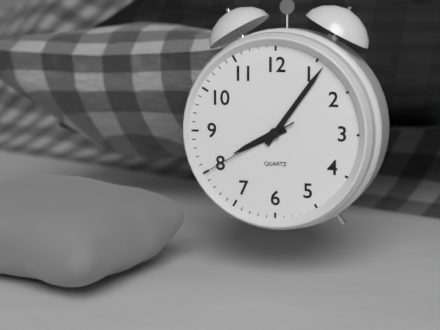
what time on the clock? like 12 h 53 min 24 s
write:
8 h 06 min 40 s
